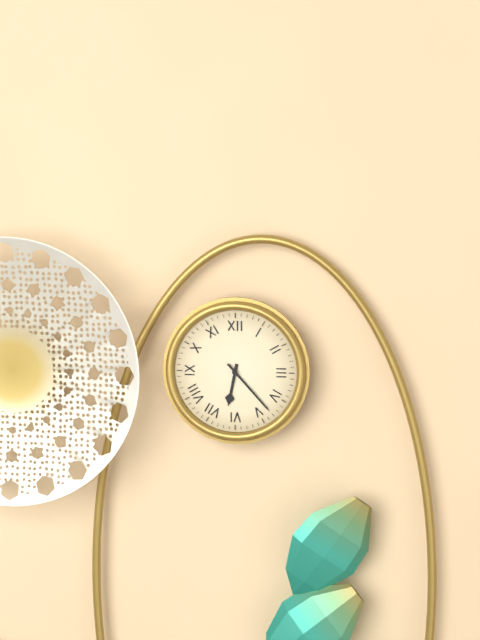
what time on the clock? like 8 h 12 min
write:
6 h 23 min
